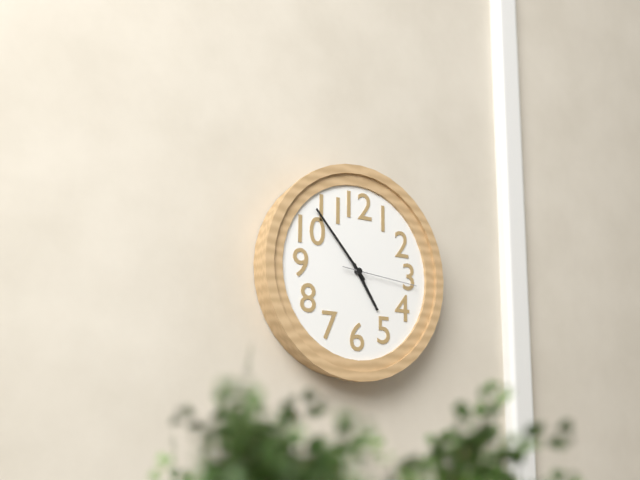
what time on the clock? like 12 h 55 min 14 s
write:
4 h 53 min 16 s
